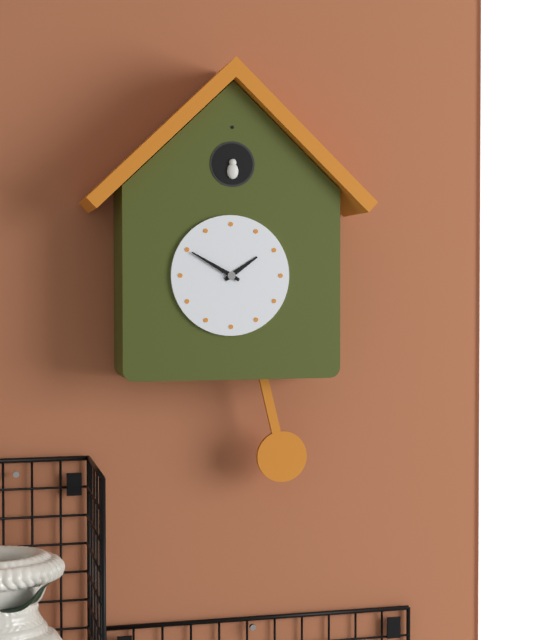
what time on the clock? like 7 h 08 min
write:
1 h 50 min
